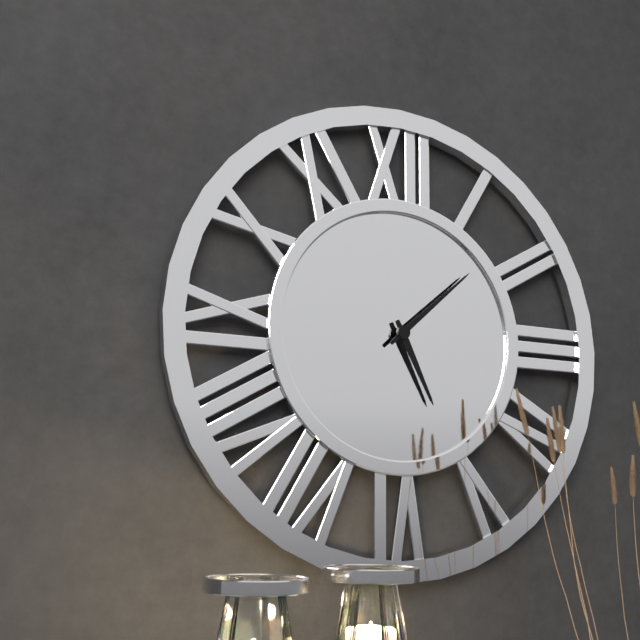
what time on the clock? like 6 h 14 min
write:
5 h 08 min
